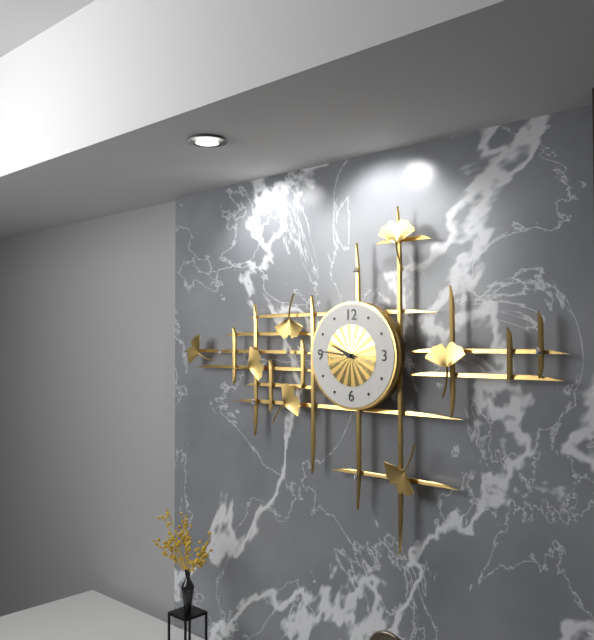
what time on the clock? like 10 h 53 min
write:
9 h 46 min
